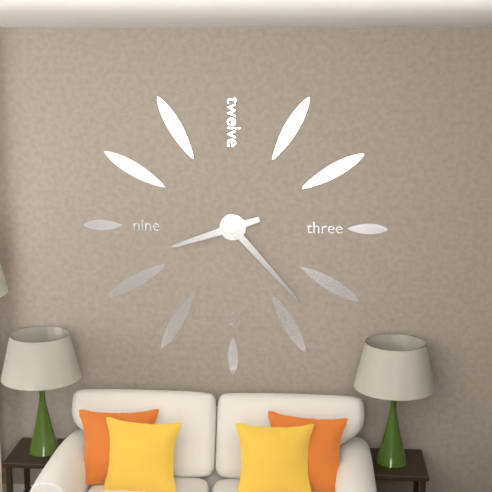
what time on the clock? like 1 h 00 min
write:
8 h 23 min
